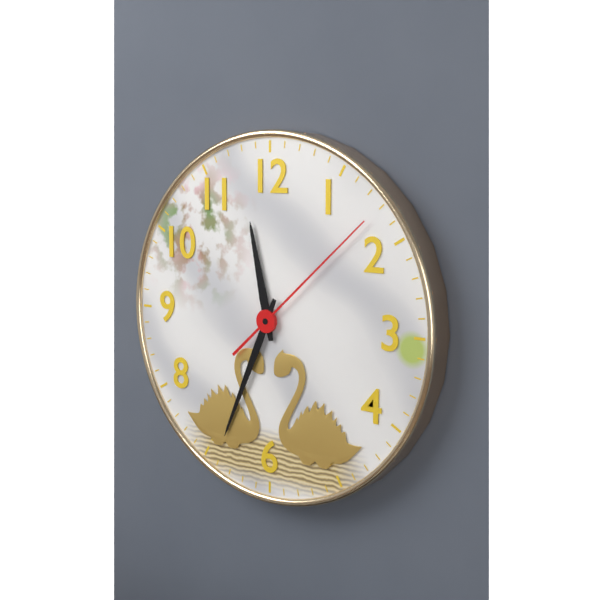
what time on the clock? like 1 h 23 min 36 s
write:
11 h 34 min 08 s
